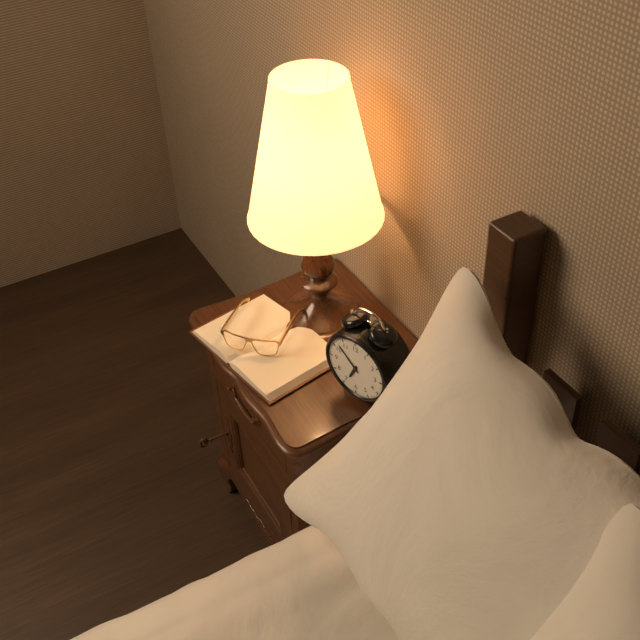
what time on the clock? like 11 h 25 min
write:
6 h 52 min
